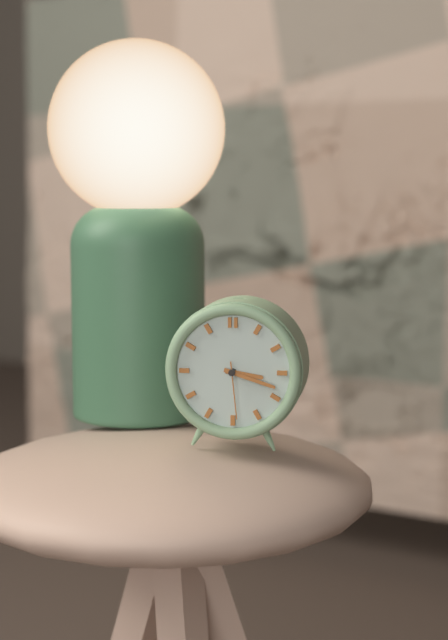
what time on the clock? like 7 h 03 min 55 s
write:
3 h 18 min 29 s
